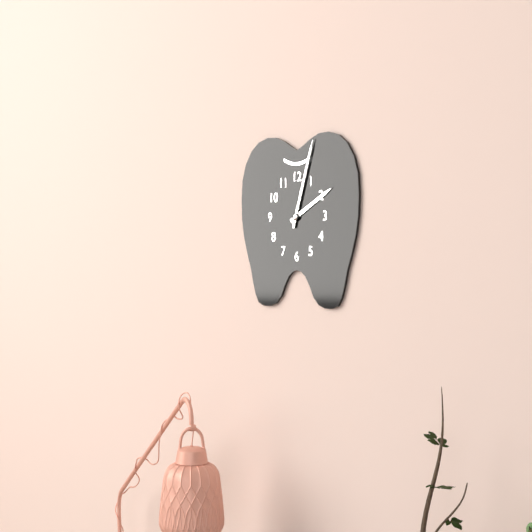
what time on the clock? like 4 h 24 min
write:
2 h 03 min
